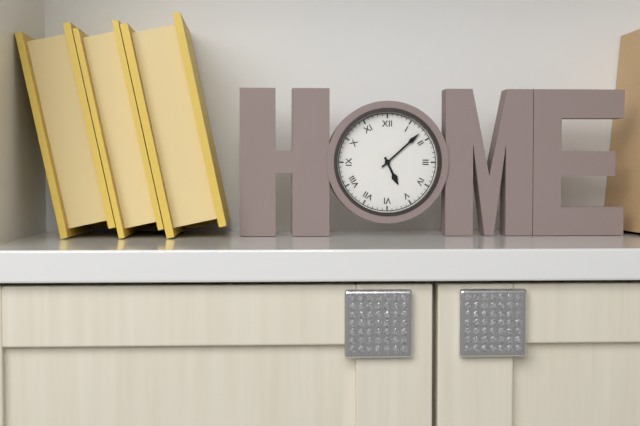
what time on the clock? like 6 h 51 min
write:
5 h 08 min
